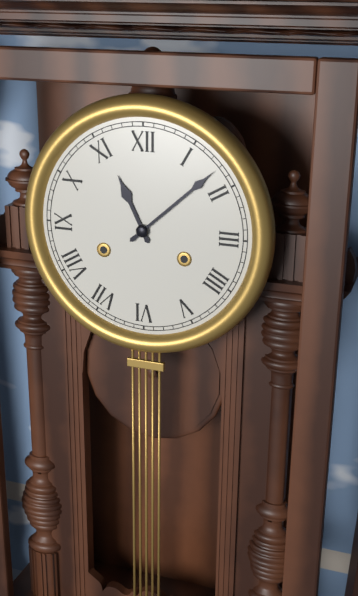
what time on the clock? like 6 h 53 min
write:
11 h 08 min
